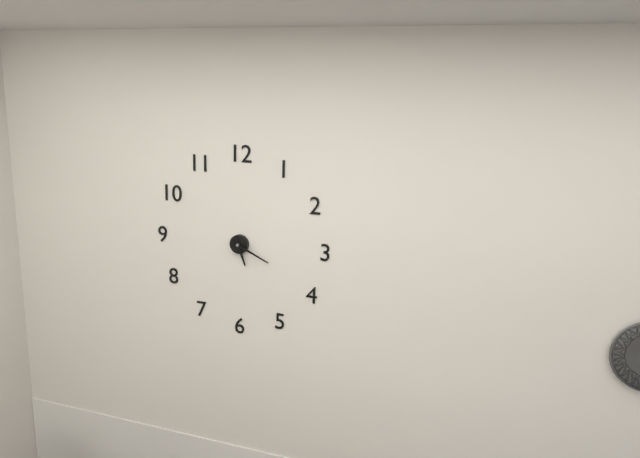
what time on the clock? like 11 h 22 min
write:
5 h 19 min
